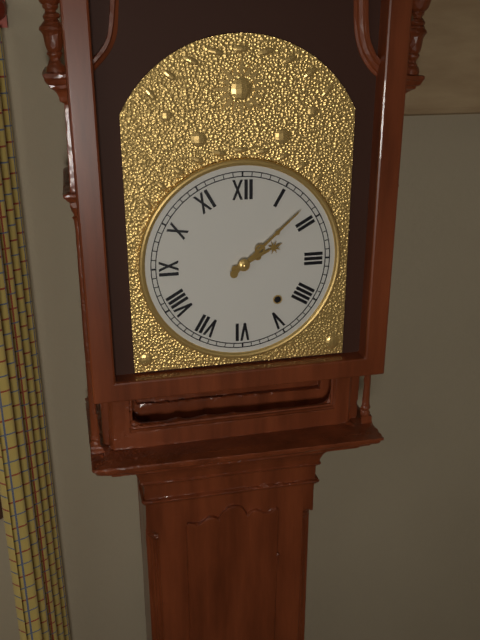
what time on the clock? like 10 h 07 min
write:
2 h 08 min
